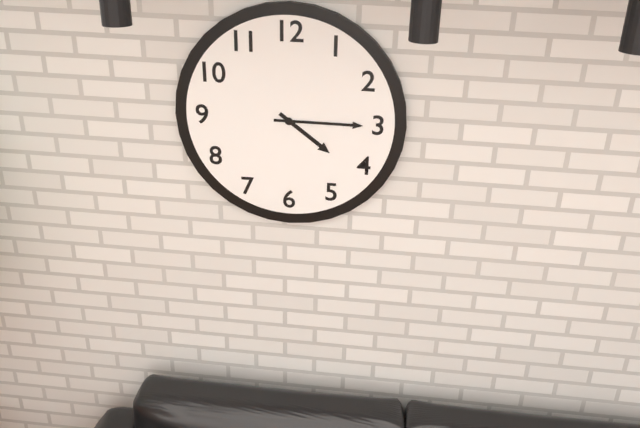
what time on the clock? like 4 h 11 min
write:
4 h 15 min
